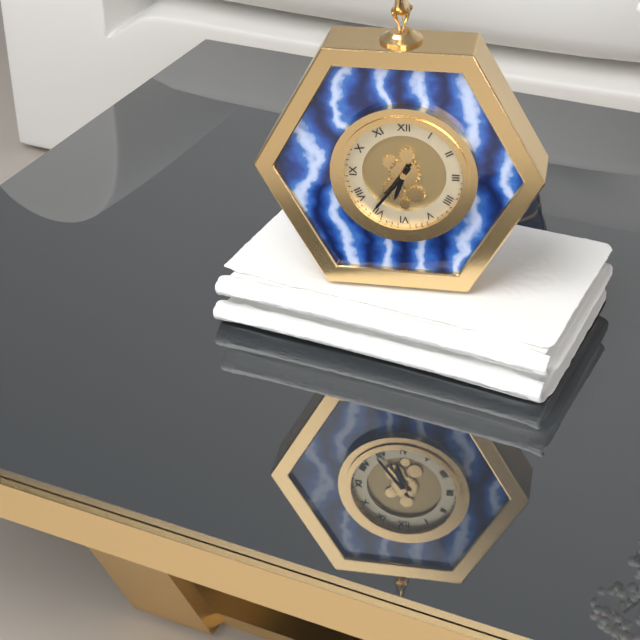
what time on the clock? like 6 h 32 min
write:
6 h 36 min
